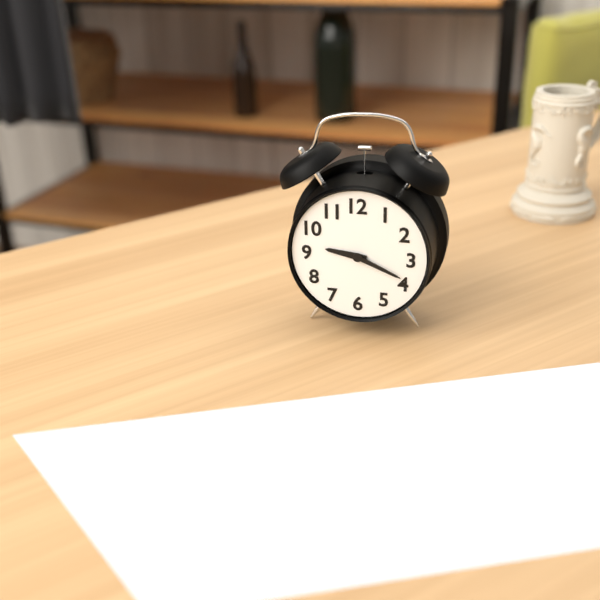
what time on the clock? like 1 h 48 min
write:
9 h 19 min
